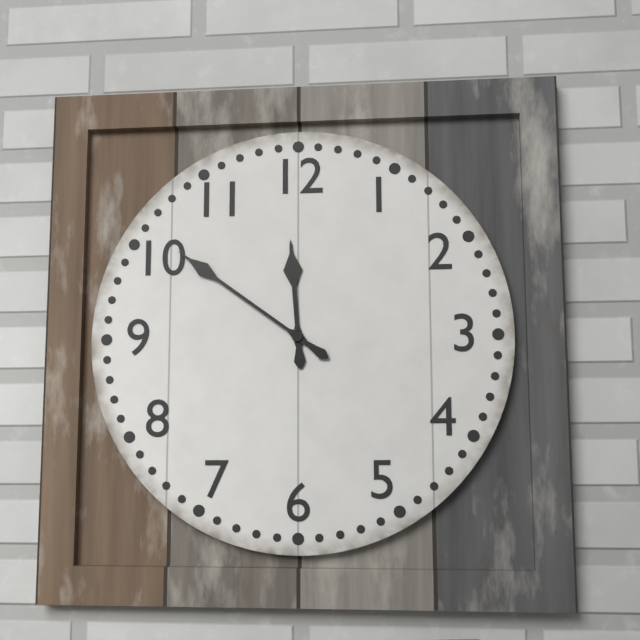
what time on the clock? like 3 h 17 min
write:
11 h 51 min
